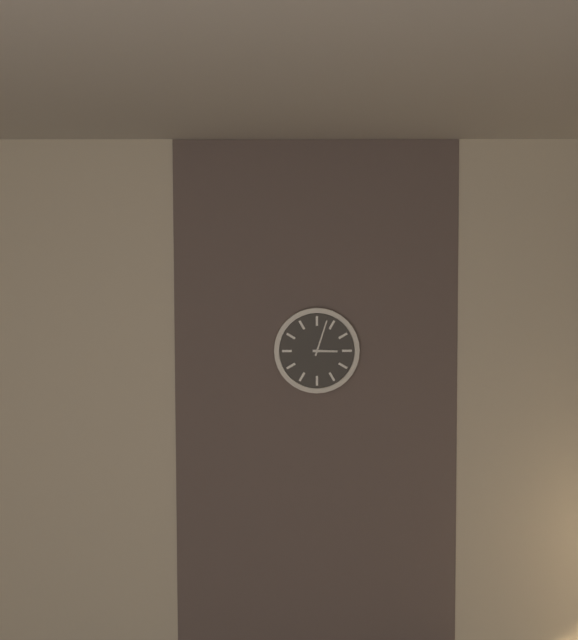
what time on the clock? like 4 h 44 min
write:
3 h 03 min
